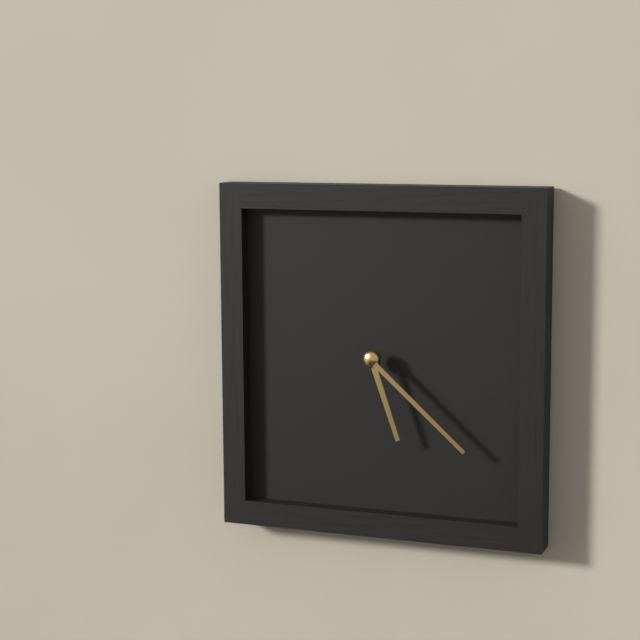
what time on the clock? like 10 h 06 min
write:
5 h 22 min
